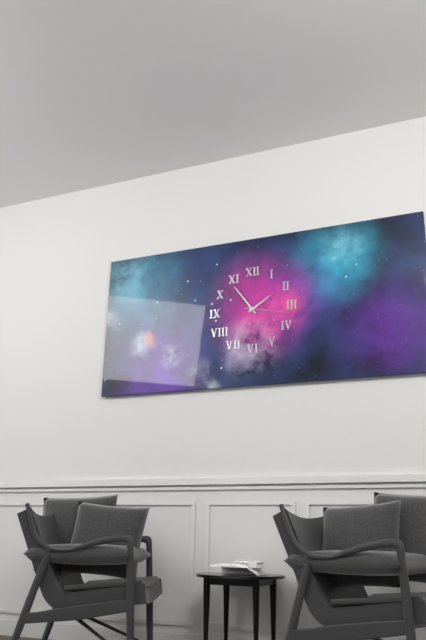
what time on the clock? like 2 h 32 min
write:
1 h 54 min
